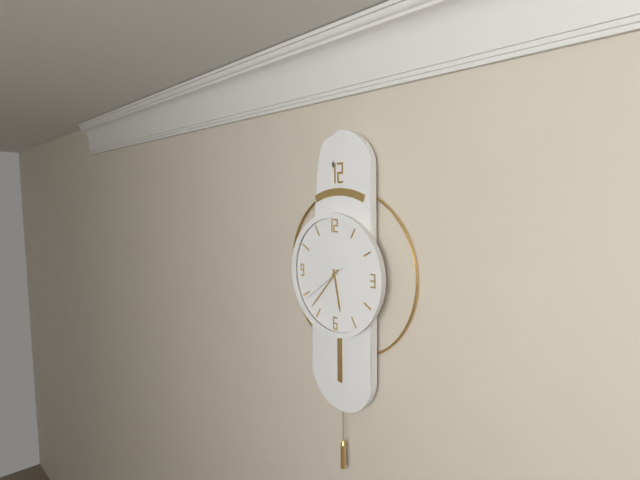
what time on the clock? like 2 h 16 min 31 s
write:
5 h 37 min 39 s
